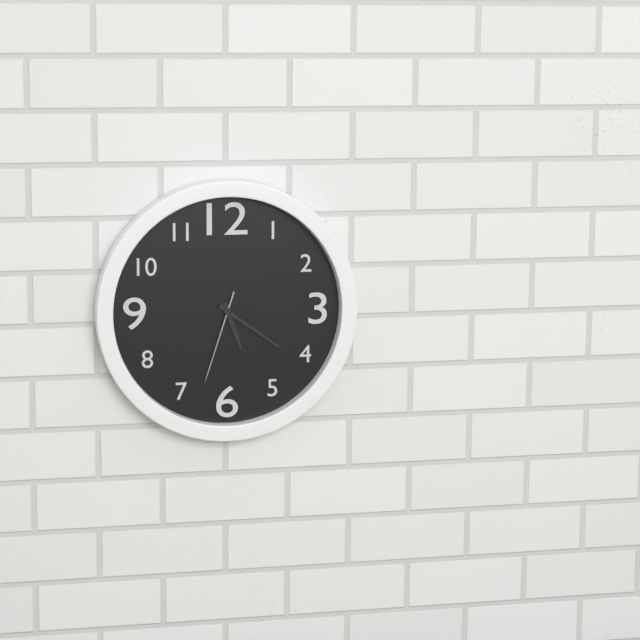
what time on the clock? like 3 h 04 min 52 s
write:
5 h 21 min 33 s
